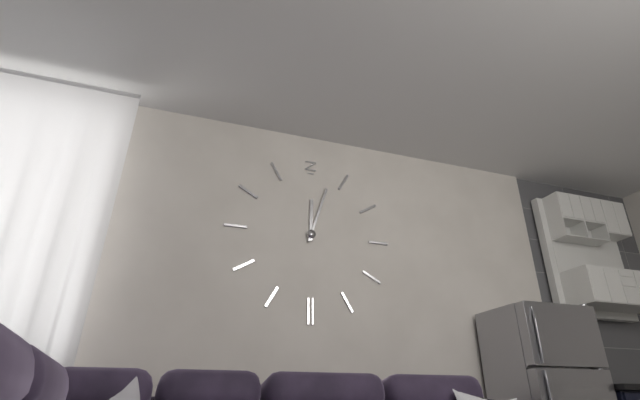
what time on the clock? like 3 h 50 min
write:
12 h 03 min
